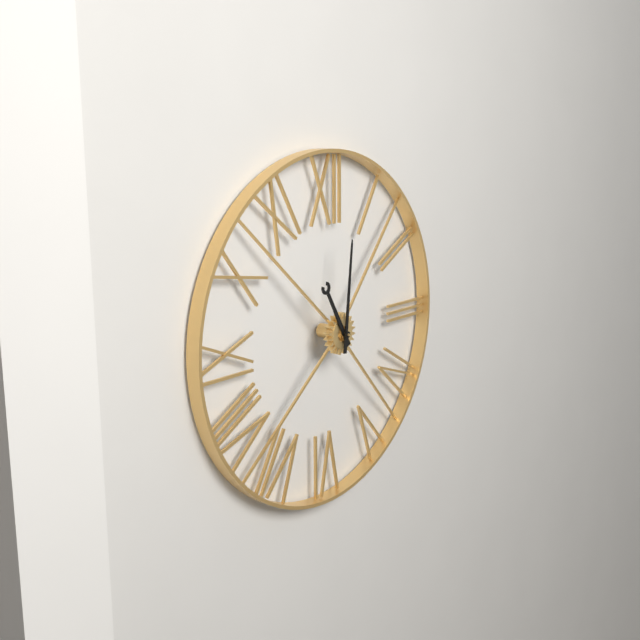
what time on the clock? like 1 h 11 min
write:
11 h 01 min
